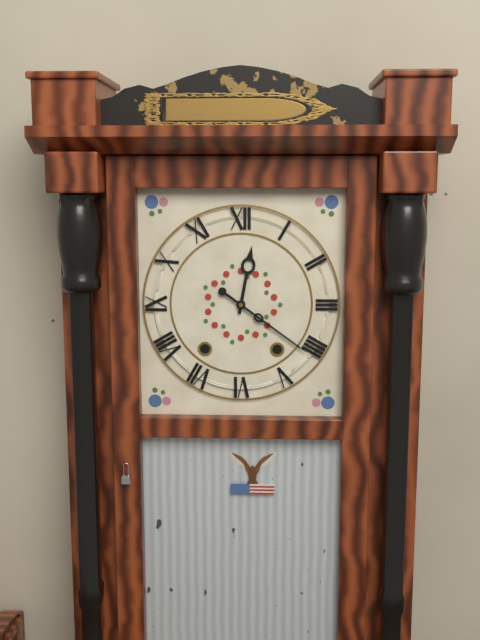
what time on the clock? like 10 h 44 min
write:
12 h 21 min
